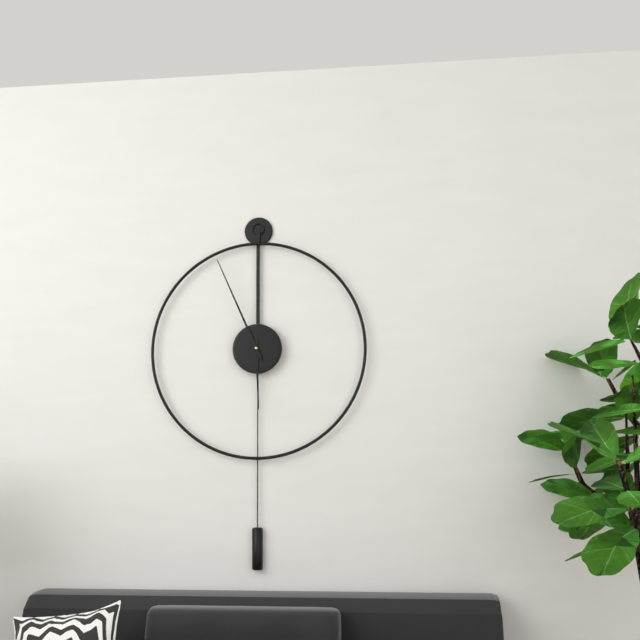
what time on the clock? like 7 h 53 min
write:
5 h 56 min
